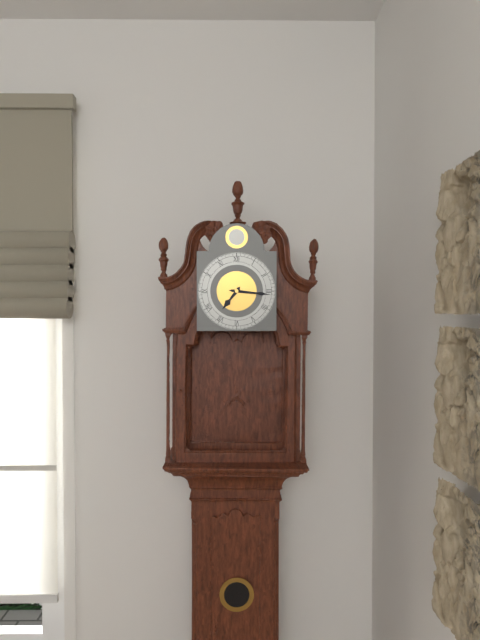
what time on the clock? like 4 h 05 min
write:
7 h 16 min
